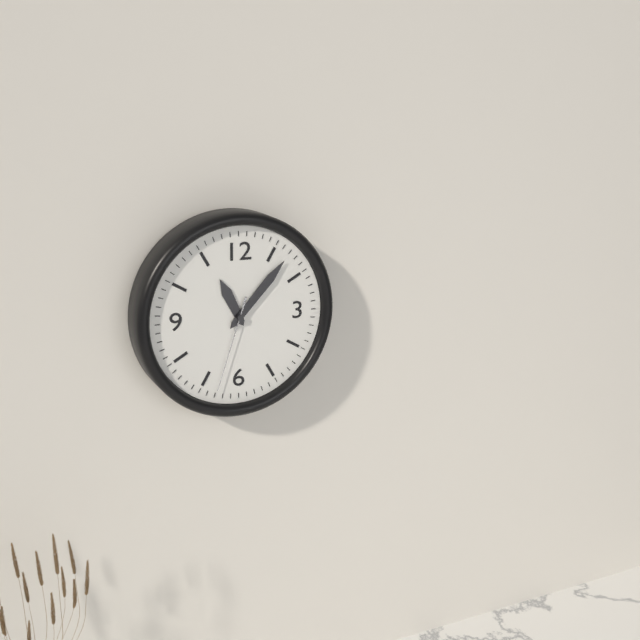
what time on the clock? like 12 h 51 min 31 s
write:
11 h 07 min 33 s
